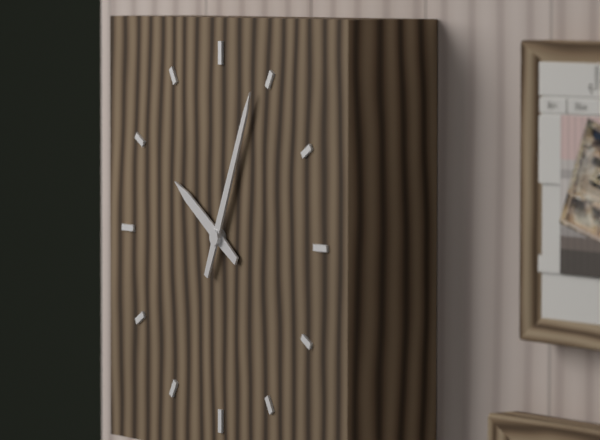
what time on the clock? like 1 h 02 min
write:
10 h 04 min
